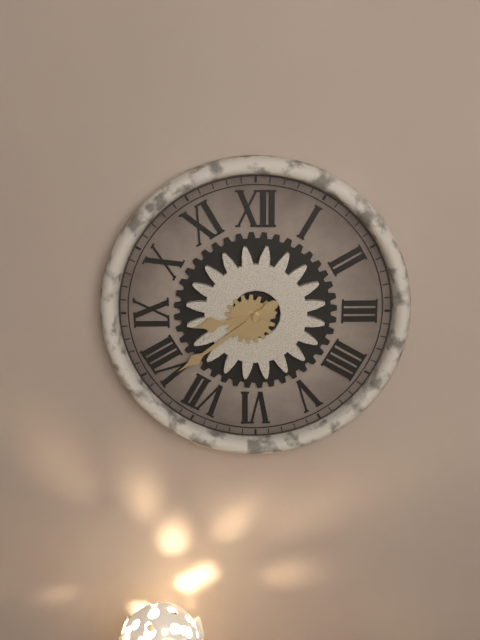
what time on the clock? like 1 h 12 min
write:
8 h 39 min
